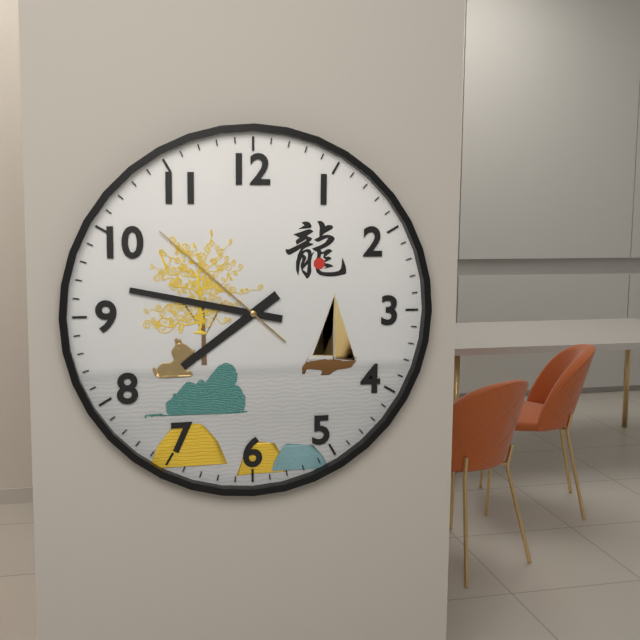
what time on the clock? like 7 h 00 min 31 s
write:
7 h 47 min 52 s
